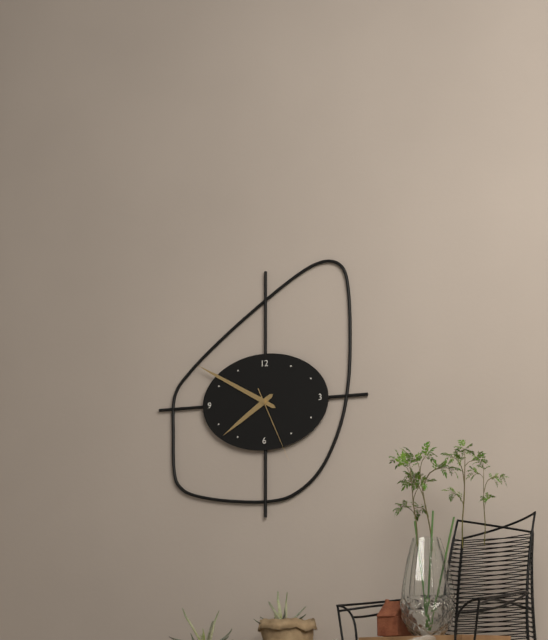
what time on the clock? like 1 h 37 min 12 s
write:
7 h 50 min 26 s
